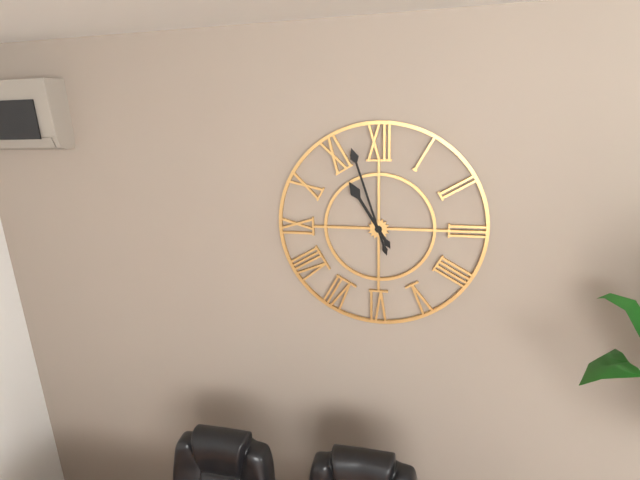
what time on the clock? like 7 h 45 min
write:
10 h 57 min
